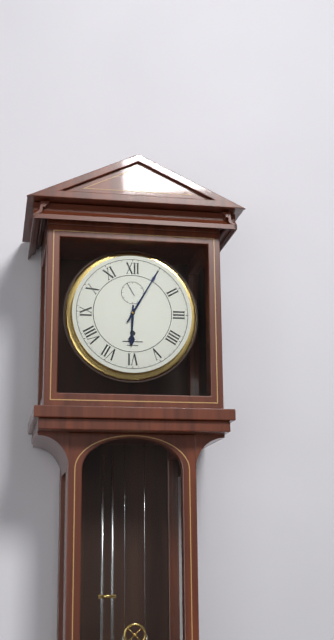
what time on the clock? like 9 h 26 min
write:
6 h 05 min
